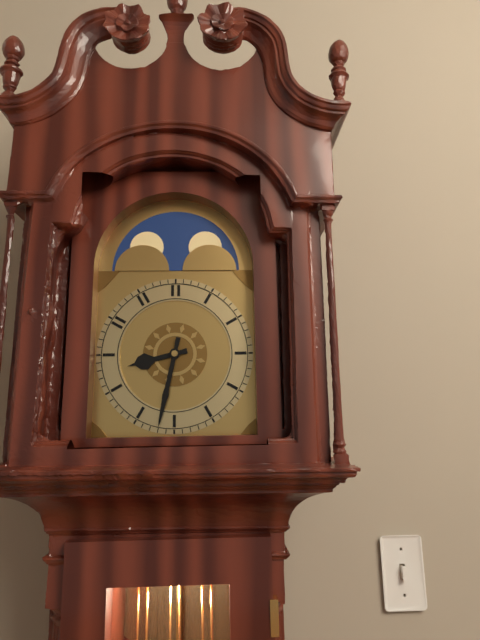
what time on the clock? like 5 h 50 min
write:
8 h 32 min
